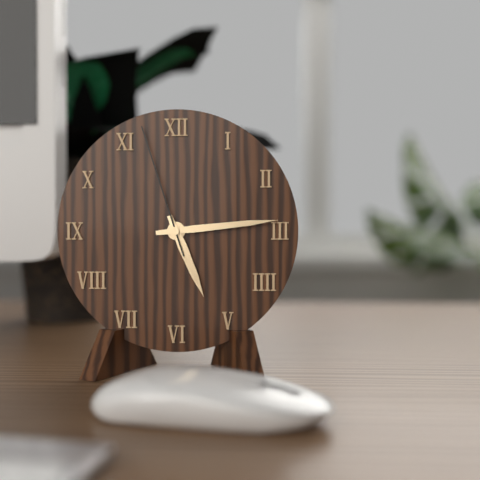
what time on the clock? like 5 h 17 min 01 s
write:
5 h 14 min 57 s
